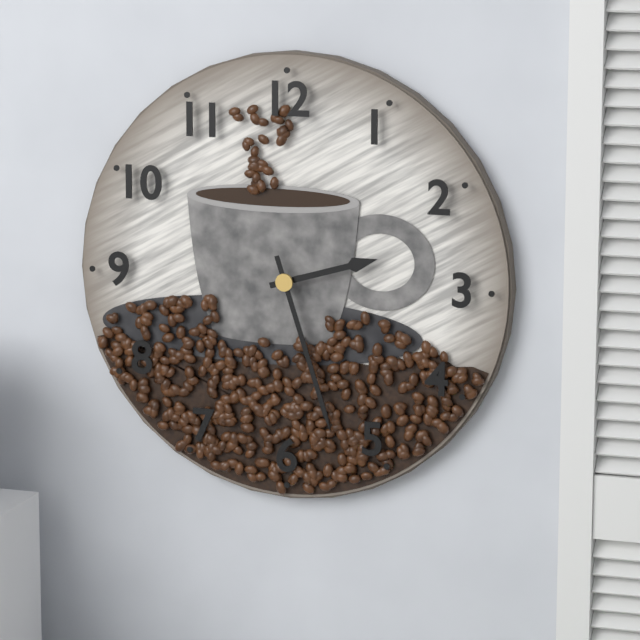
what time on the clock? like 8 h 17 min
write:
2 h 27 min
